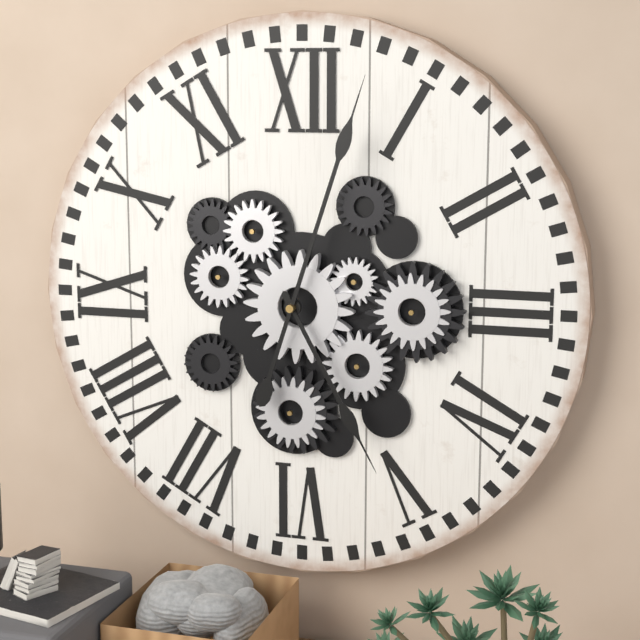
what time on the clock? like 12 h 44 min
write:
5 h 03 min
